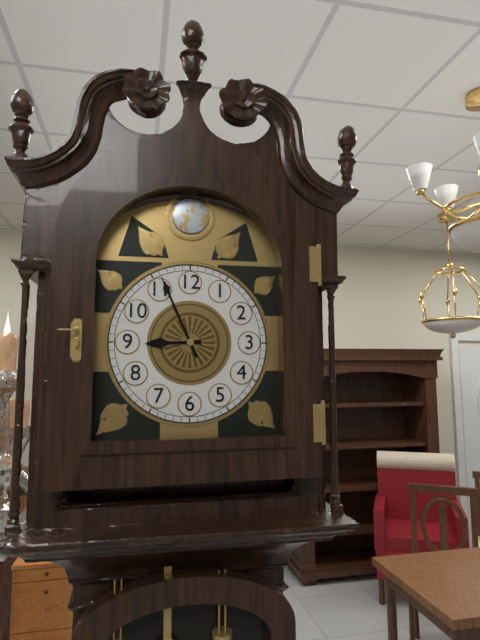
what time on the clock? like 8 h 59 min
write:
8 h 56 min
